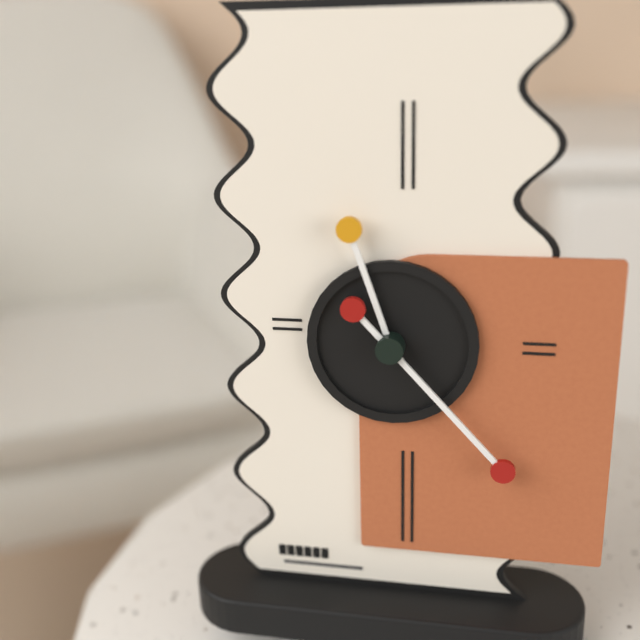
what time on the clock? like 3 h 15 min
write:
11 h 23 min
